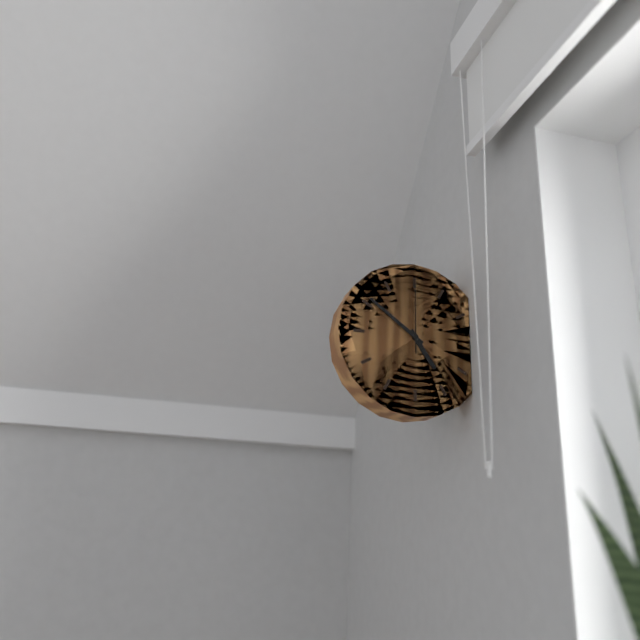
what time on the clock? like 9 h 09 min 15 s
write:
4 h 51 min 00 s
